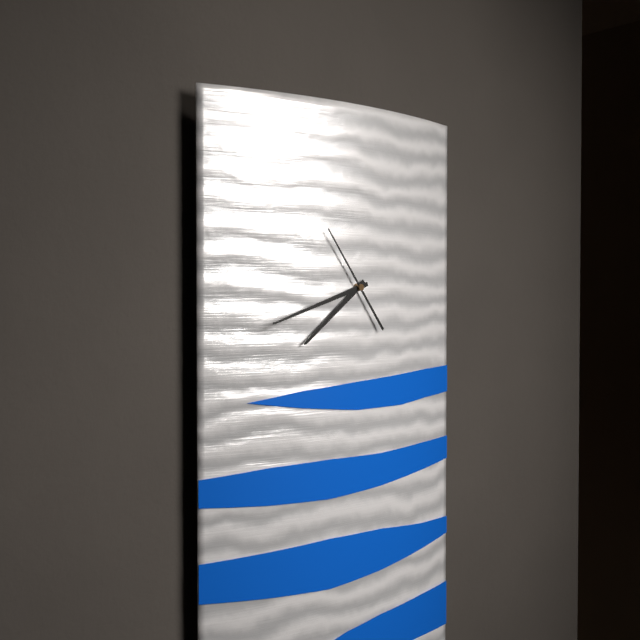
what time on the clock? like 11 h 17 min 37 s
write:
7 h 42 min 54 s
